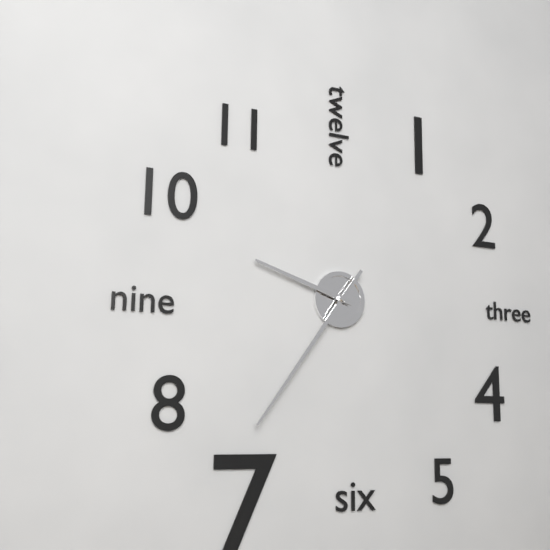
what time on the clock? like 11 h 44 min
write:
9 h 36 min
